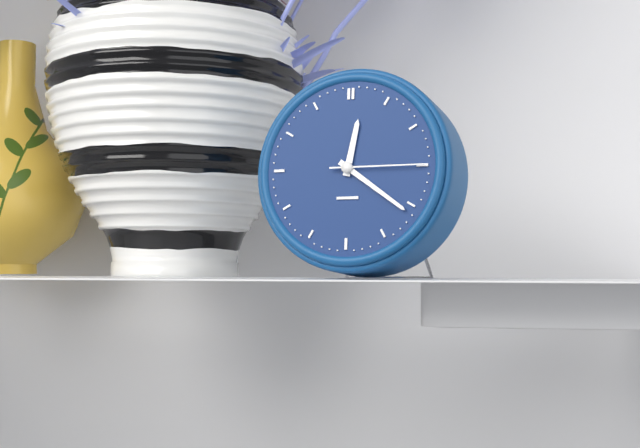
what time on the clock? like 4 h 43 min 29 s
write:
12 h 21 min 15 s
